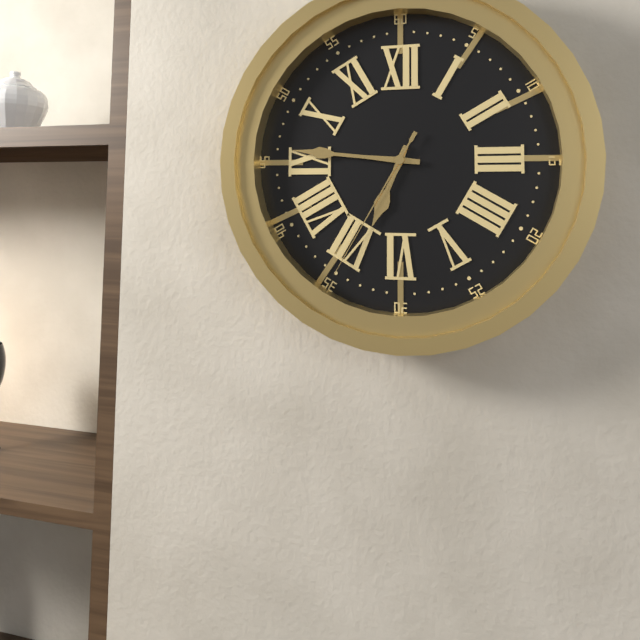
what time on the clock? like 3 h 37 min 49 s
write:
6 h 46 min 35 s
